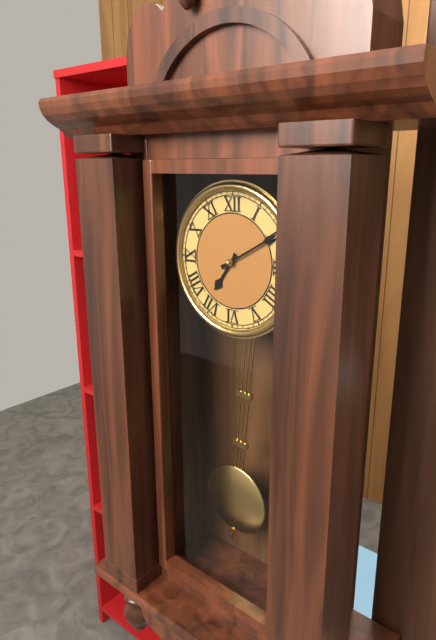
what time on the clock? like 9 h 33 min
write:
7 h 10 min
